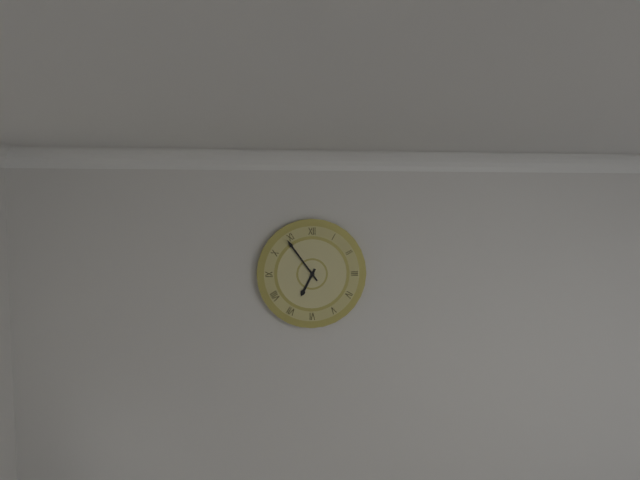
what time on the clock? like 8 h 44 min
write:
6 h 54 min
